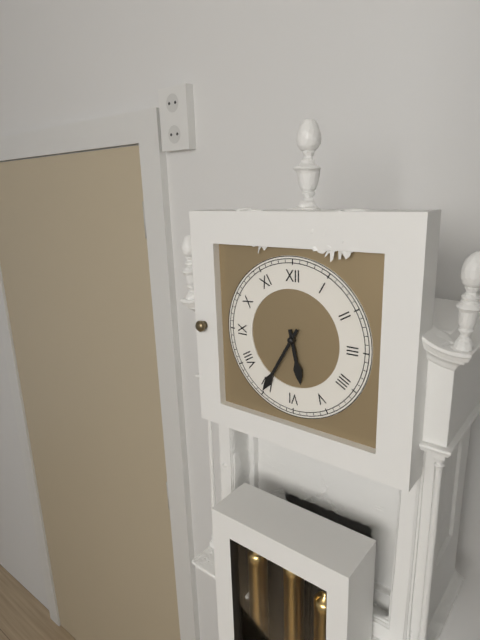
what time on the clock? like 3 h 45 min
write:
5 h 35 min
